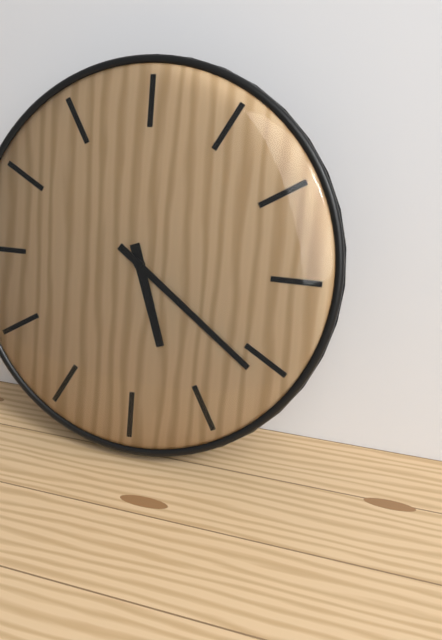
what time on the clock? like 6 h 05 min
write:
5 h 21 min
